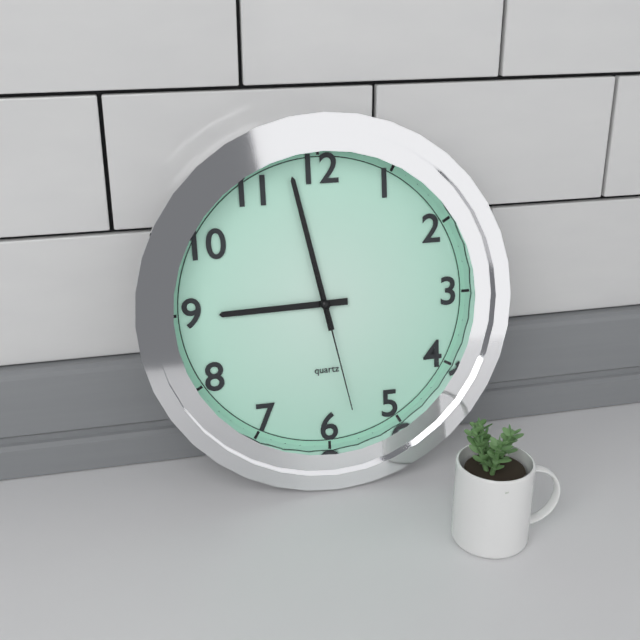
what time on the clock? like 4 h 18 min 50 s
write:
8 h 58 min 28 s
